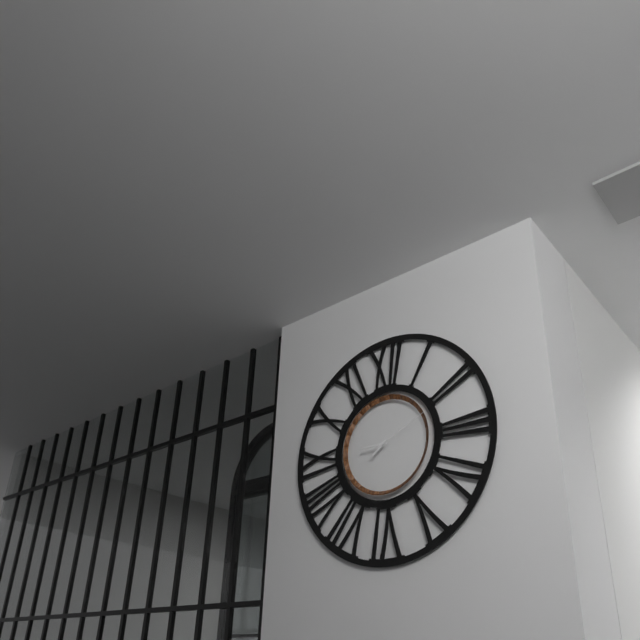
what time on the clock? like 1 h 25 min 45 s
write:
7 h 45 min 11 s
